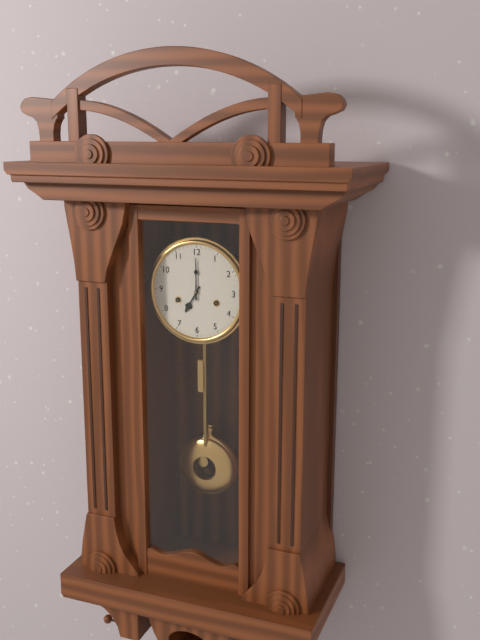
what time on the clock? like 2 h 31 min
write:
7 h 00 min
